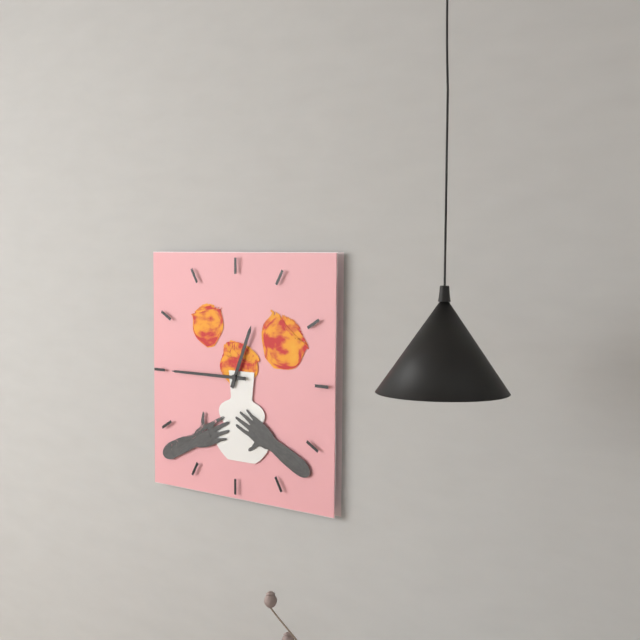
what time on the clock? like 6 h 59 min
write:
12 h 45 min
